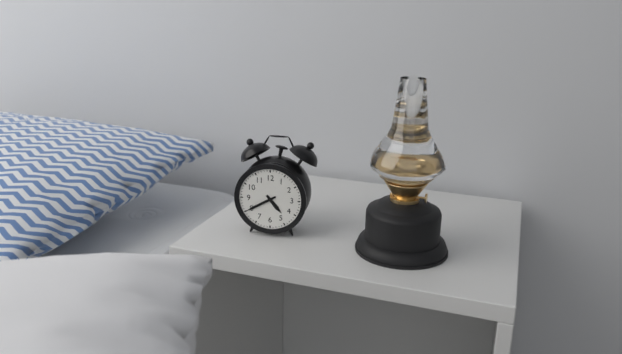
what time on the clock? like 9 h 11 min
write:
4 h 40 min
